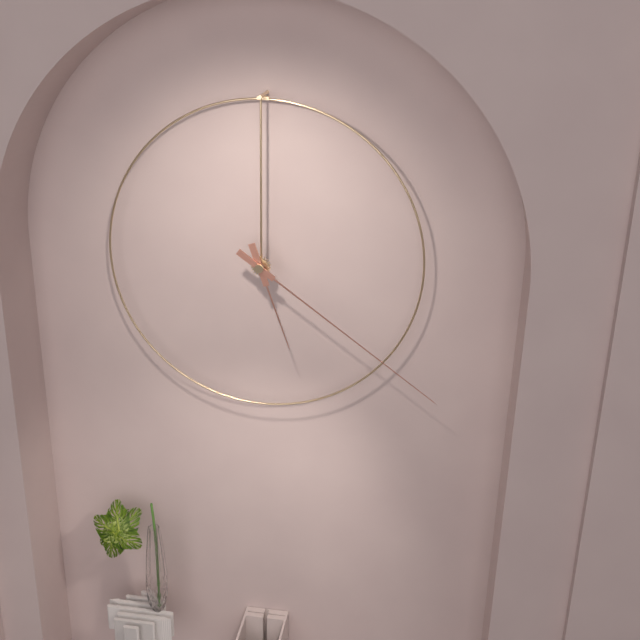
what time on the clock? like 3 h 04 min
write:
5 h 21 min
